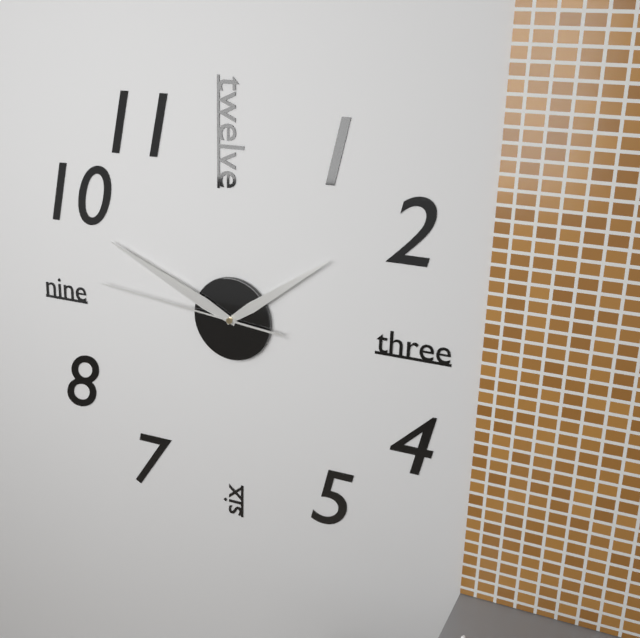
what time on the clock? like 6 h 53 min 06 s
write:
1 h 49 min 46 s
